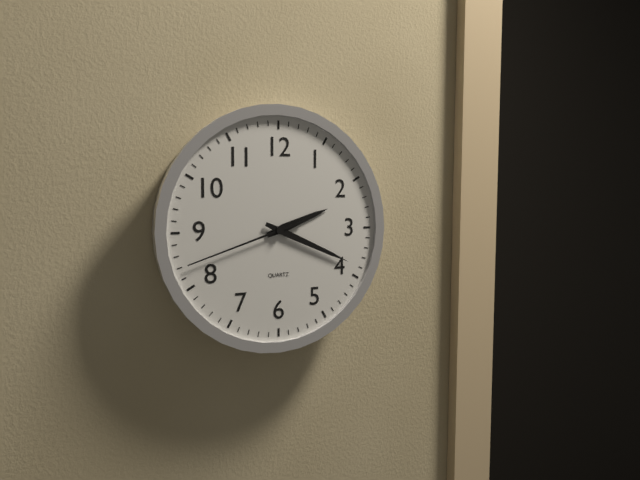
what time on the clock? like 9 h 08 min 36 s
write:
2 h 19 min 42 s
